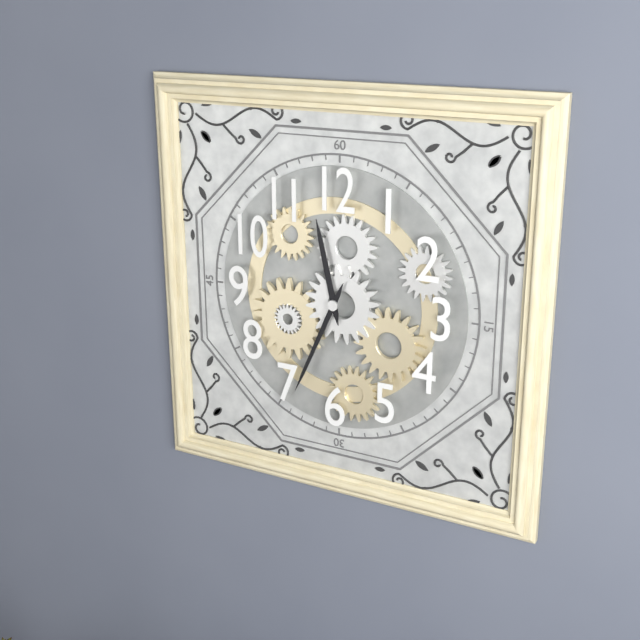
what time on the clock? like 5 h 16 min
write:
11 h 34 min
